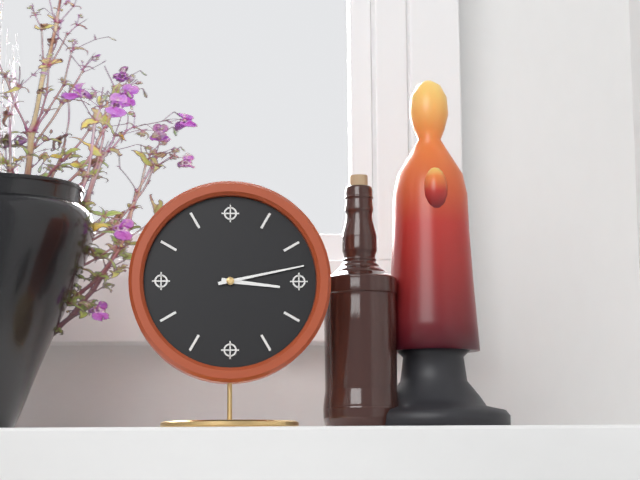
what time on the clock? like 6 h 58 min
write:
3 h 13 min
